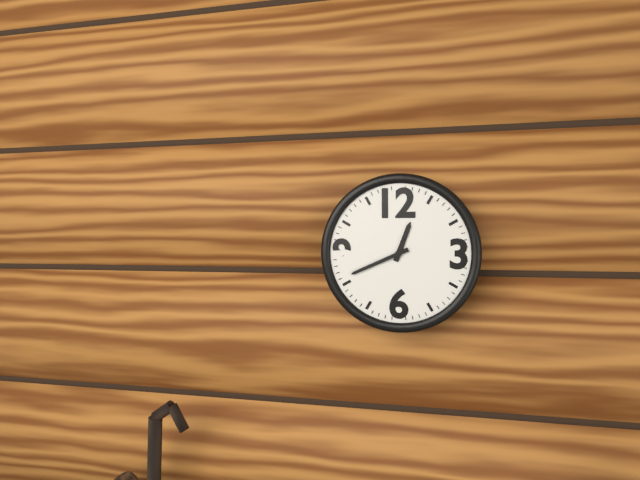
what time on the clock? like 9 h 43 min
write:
12 h 41 min
